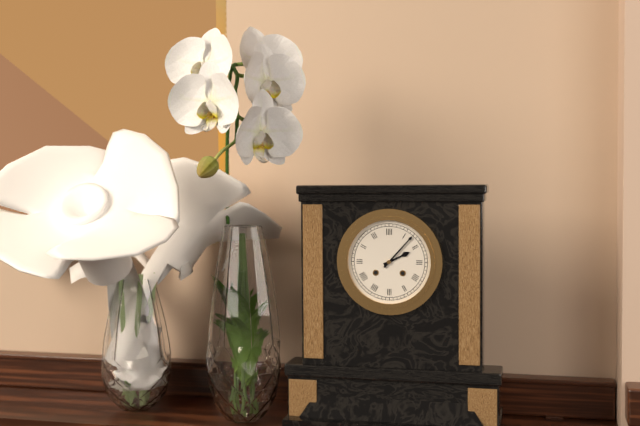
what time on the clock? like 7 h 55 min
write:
2 h 07 min
